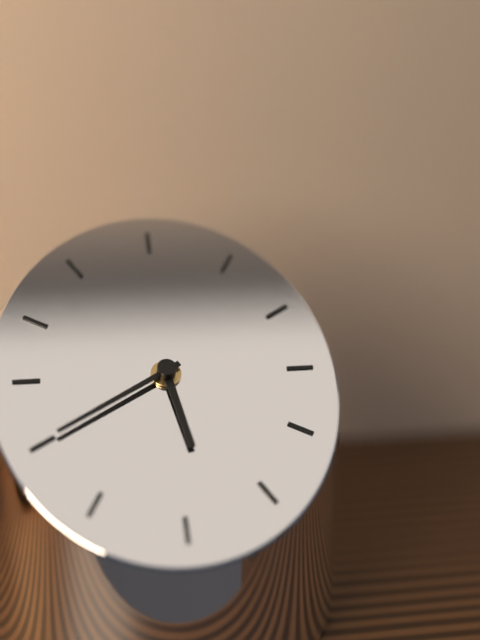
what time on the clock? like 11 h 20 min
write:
5 h 40 min
